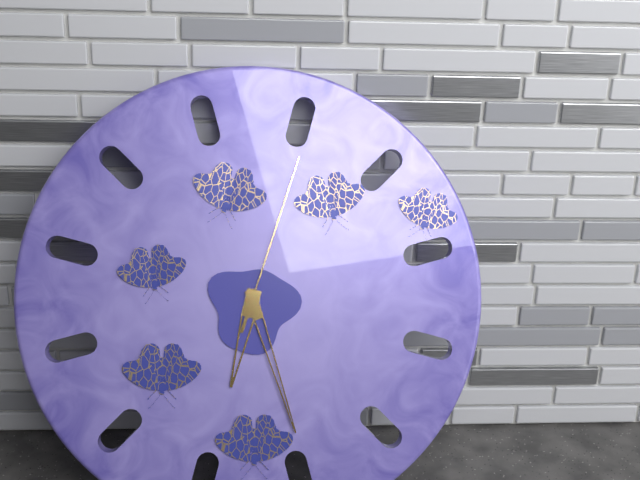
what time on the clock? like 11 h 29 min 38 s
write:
6 h 27 min 03 s
